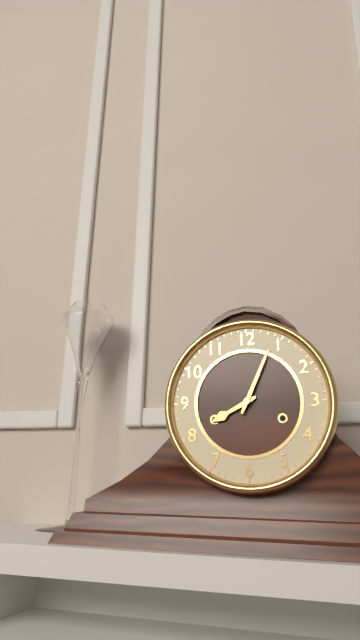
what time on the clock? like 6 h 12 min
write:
8 h 04 min
